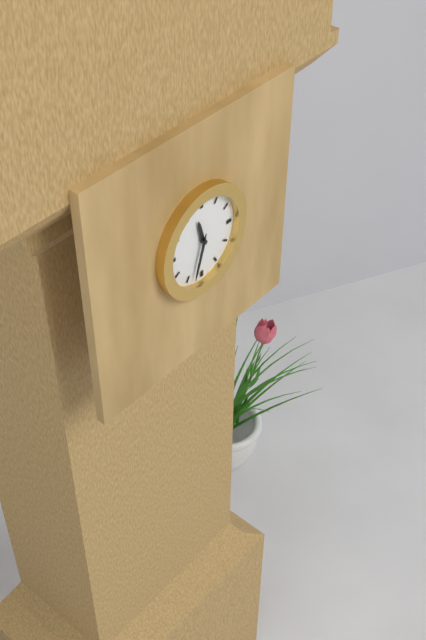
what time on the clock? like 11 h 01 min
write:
11 h 33 min
